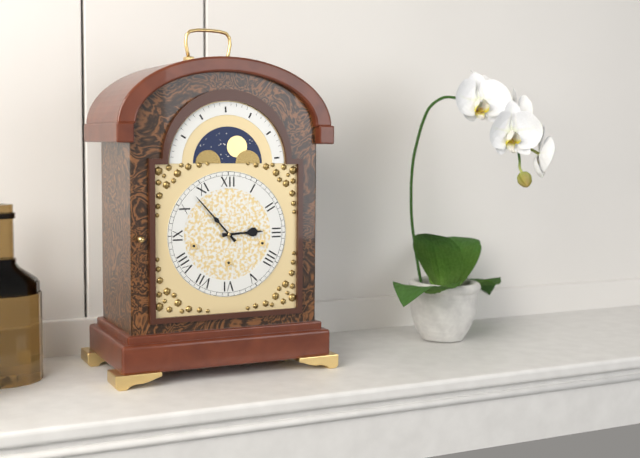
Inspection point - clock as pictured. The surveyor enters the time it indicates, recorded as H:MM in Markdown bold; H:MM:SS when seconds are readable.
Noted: **2:53**
